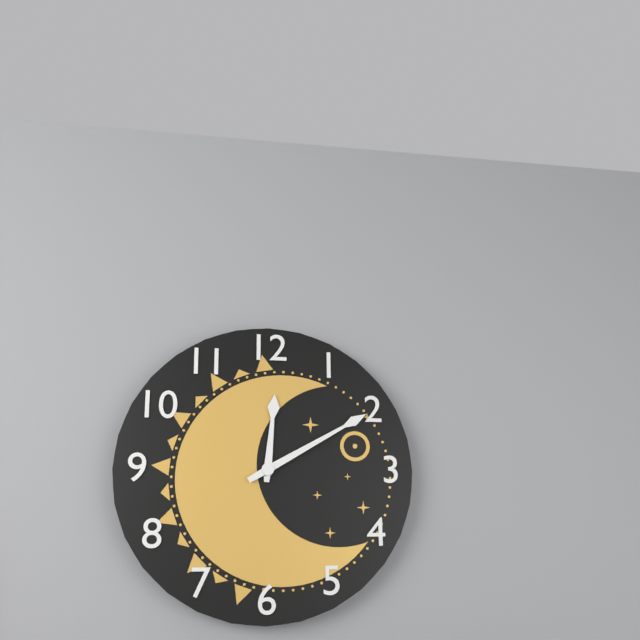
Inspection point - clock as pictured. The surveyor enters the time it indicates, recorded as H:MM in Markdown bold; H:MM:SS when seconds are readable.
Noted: **12:10**
